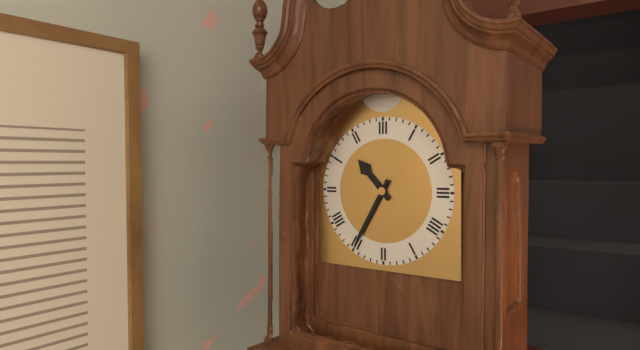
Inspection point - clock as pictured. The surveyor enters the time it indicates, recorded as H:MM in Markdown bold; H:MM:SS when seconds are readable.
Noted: **10:35**
